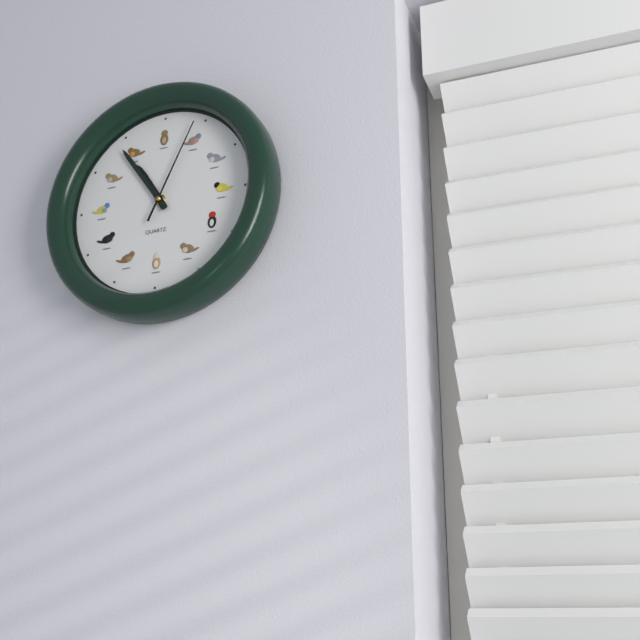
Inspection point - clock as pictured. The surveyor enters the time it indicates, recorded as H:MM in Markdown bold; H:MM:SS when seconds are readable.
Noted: **10:54:04**
